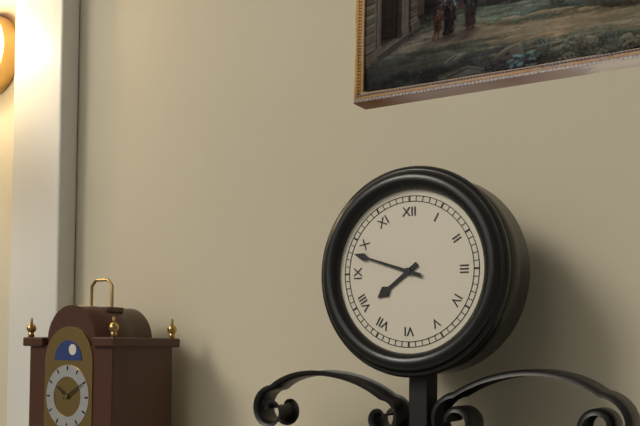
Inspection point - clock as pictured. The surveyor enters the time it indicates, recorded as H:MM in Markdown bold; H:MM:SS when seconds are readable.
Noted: **7:48**
